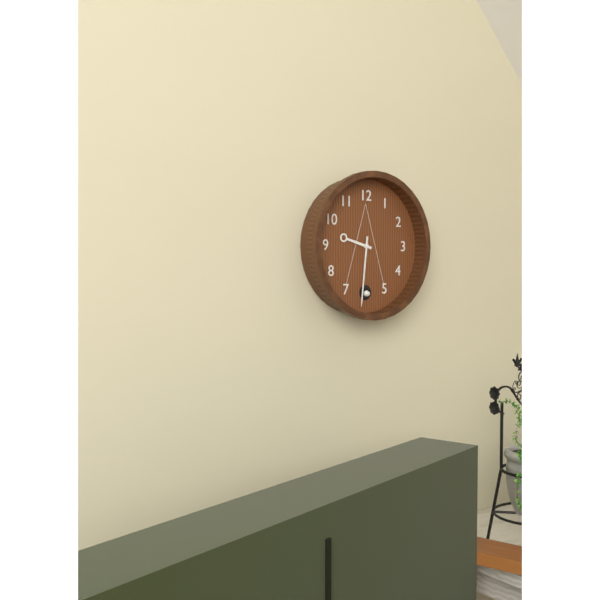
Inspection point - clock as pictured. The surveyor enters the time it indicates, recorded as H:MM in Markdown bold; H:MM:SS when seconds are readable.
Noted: **9:31**
